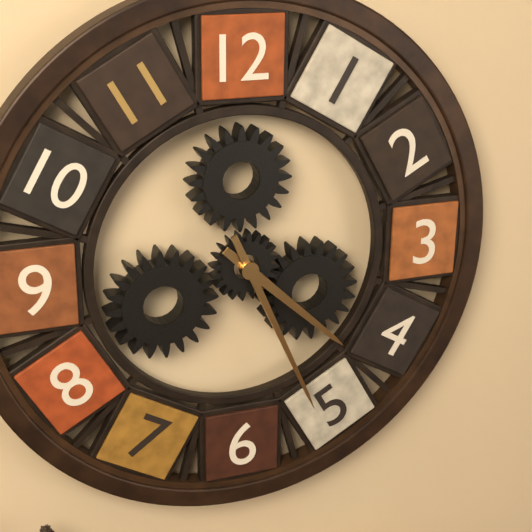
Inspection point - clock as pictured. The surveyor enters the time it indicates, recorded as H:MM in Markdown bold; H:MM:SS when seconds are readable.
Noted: **4:26**
